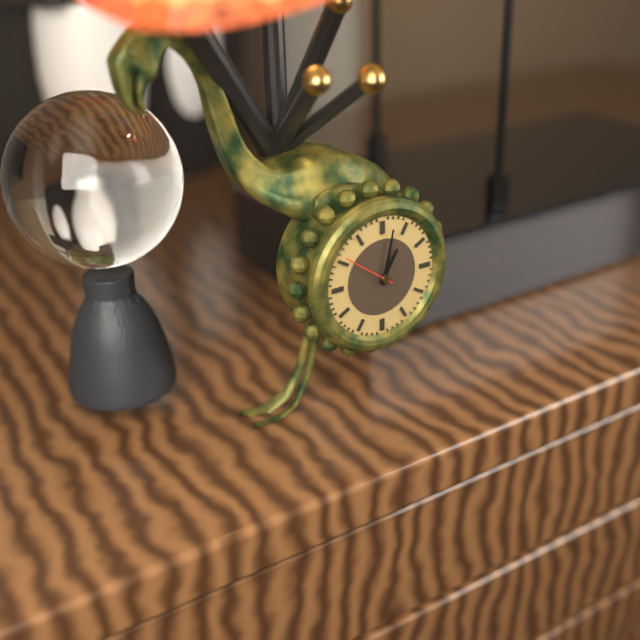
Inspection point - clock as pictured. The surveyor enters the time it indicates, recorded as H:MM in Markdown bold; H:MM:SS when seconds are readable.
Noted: **1:02:51**
